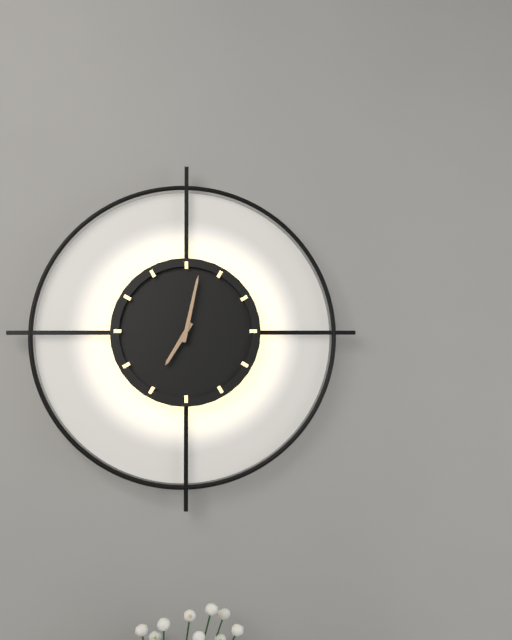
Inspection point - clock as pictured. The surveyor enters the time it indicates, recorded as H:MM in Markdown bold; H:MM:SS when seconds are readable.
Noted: **7:02**
